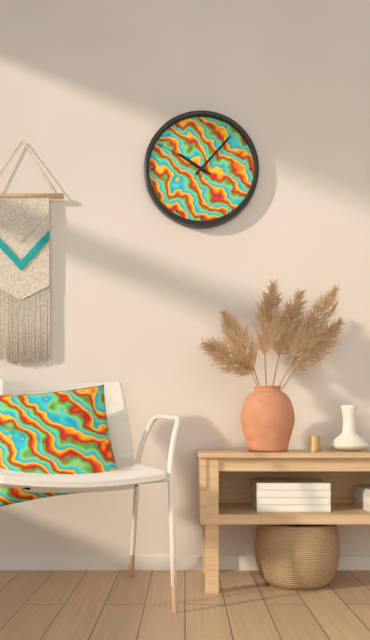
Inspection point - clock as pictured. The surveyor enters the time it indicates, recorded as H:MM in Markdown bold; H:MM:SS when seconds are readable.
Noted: **10:07:50**
